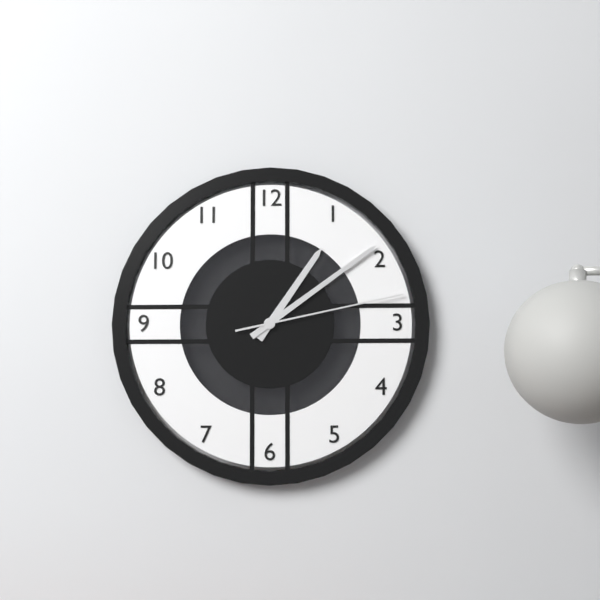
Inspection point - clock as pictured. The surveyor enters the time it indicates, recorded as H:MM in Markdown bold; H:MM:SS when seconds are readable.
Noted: **1:09:13**
